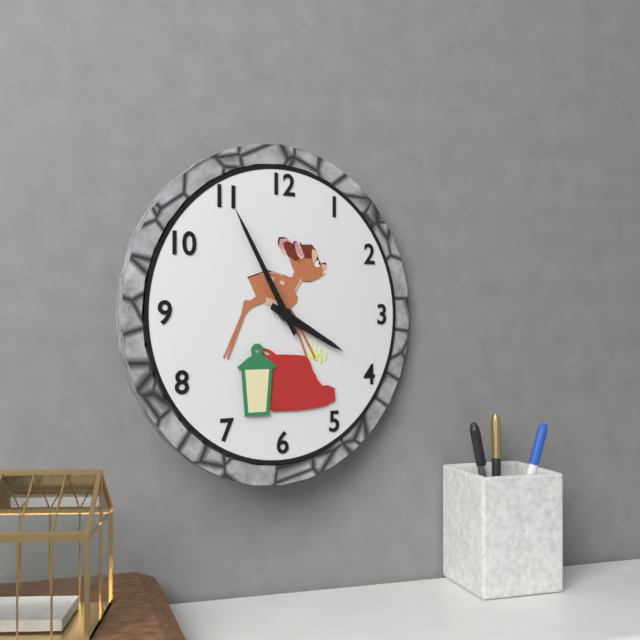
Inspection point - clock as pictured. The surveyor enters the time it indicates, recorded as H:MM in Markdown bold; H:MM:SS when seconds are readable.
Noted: **3:55**
